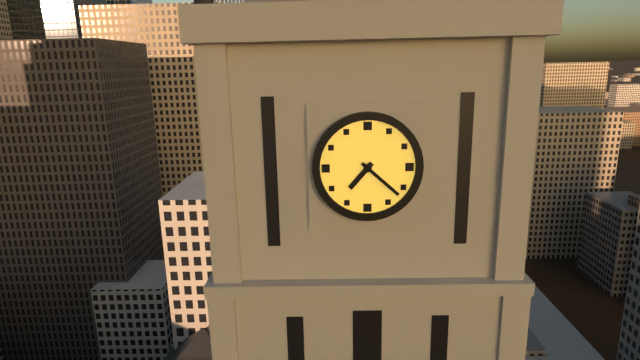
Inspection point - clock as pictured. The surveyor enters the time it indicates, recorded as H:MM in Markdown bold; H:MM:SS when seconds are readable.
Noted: **7:22**
